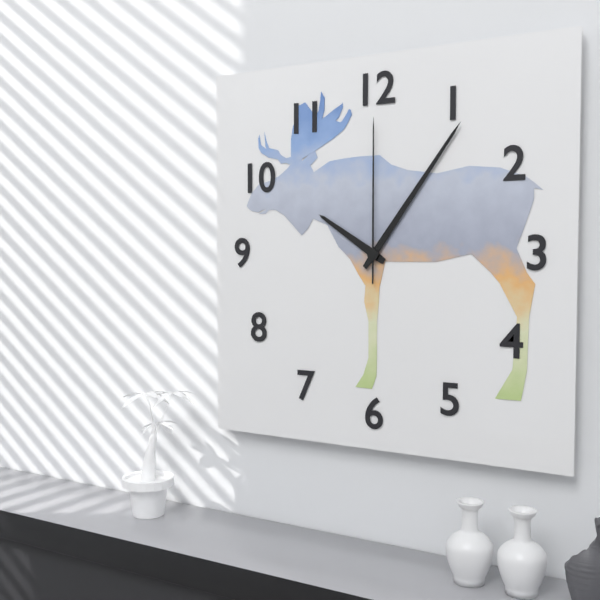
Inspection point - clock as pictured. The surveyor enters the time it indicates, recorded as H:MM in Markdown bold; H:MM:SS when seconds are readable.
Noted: **10:06:00**
